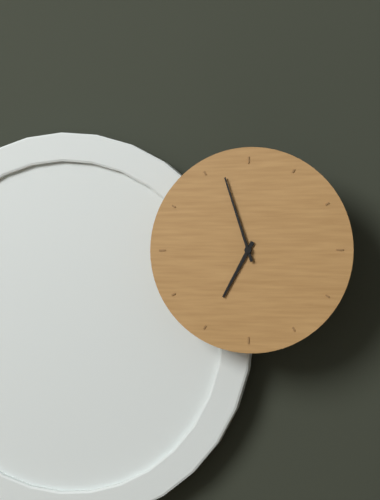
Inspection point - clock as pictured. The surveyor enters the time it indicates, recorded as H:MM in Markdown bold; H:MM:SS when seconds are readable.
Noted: **6:57**
